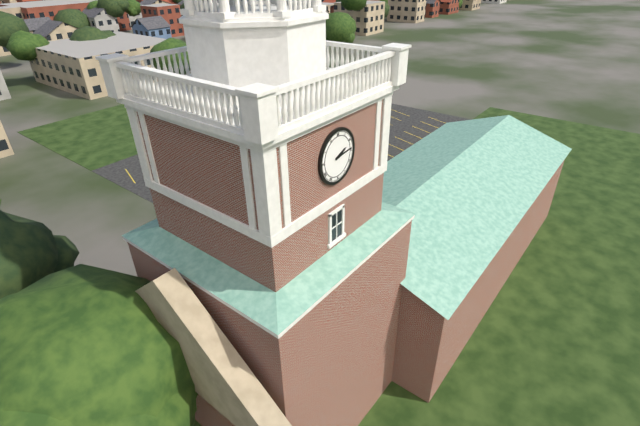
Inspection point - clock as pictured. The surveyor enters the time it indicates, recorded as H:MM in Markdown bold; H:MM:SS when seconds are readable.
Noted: **2:14**
